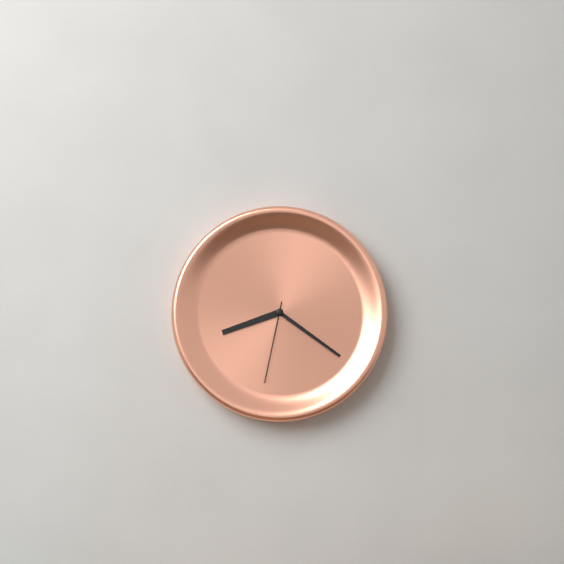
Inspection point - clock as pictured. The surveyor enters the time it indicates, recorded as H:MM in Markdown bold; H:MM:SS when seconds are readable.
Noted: **8:21:32**
